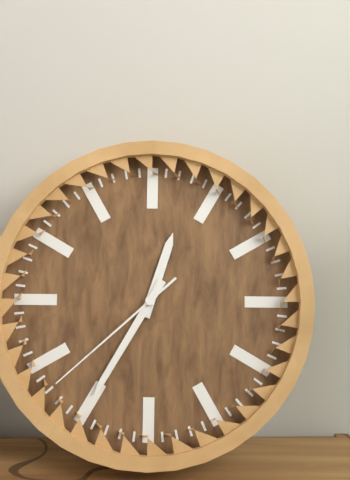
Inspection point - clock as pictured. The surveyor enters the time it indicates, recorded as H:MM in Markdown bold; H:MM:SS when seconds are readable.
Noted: **12:35:38**
